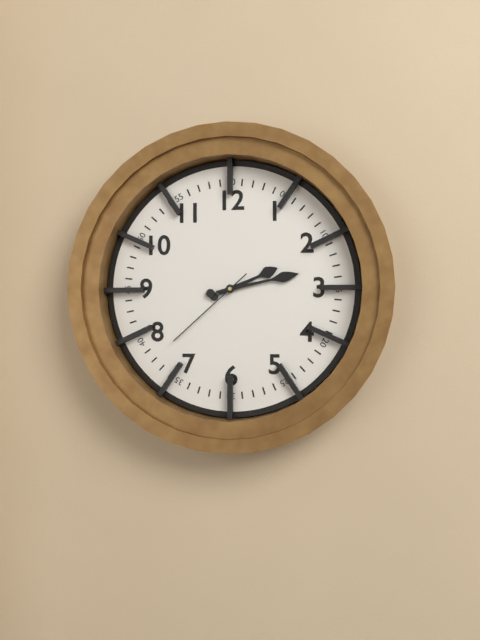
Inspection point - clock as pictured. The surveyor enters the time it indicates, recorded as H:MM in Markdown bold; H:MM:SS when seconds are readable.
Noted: **2:13:38**
